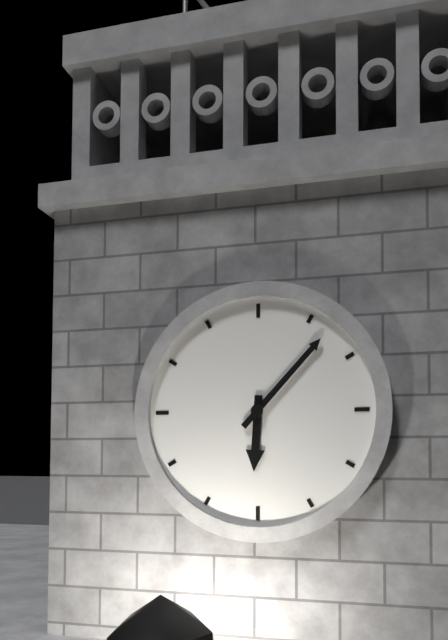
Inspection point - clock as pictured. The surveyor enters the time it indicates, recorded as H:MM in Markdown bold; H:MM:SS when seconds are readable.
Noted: **6:07**
